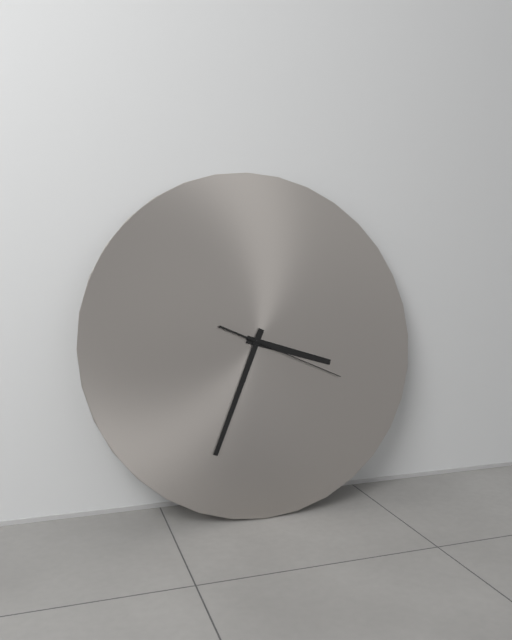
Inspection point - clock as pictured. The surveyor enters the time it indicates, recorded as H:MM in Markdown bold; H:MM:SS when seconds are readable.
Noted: **3:34:19**
